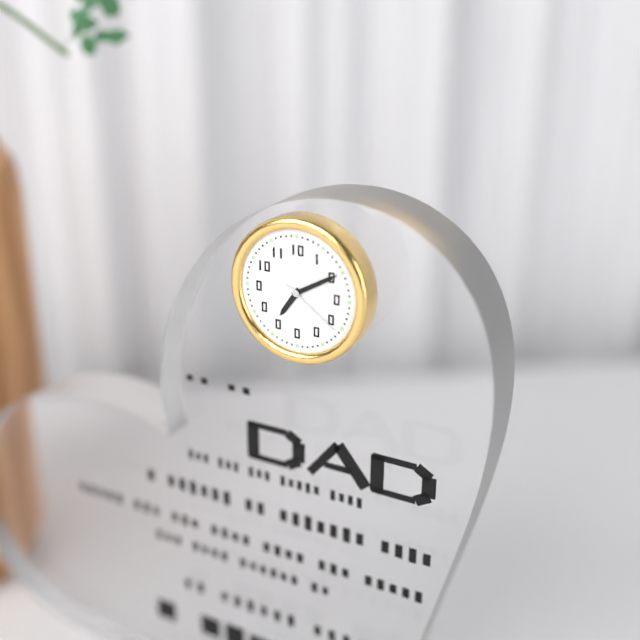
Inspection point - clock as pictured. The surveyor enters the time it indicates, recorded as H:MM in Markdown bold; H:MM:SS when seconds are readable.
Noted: **7:10:21**
